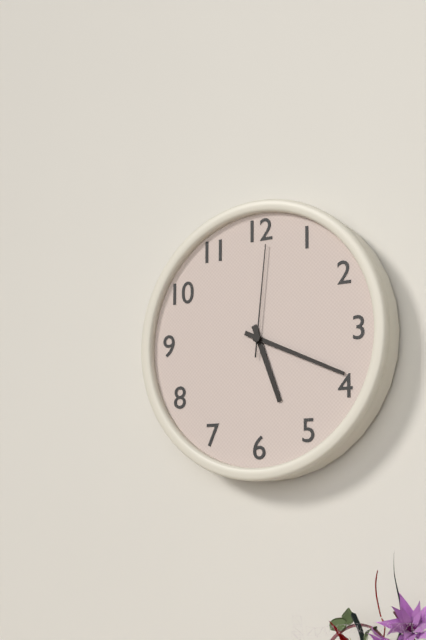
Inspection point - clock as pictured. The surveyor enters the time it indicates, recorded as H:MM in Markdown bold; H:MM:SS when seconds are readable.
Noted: **5:19:01**
